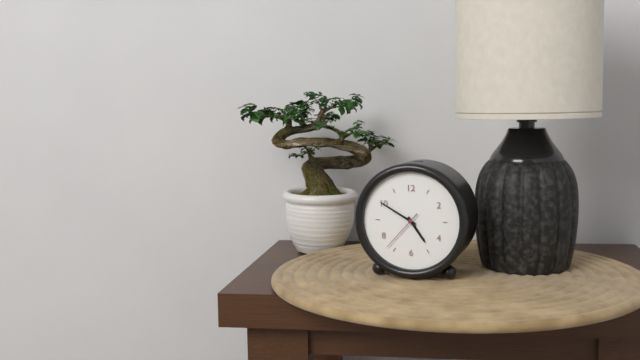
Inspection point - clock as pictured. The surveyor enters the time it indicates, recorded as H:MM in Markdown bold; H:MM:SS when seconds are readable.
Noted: **4:50**
